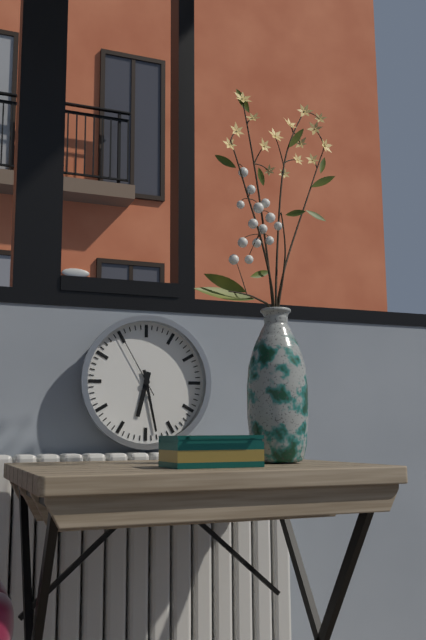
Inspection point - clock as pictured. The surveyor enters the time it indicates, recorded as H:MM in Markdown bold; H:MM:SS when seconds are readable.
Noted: **6:28:55**
